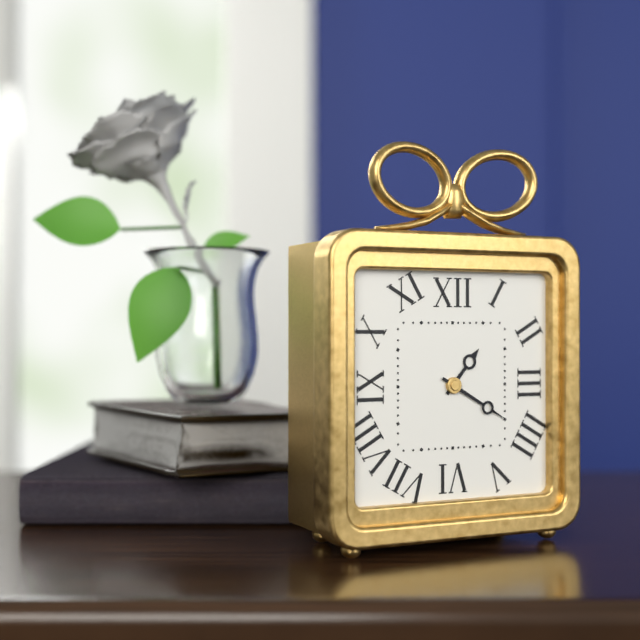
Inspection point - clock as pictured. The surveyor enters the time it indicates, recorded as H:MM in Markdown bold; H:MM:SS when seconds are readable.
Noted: **1:20**
